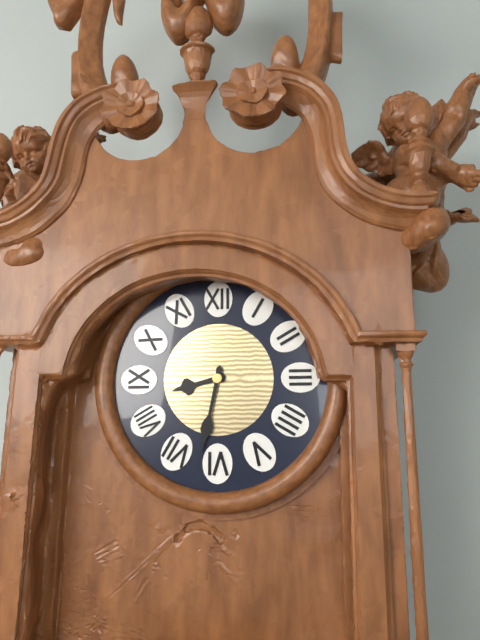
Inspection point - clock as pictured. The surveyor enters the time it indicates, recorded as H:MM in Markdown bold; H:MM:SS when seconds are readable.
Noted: **8:32**
